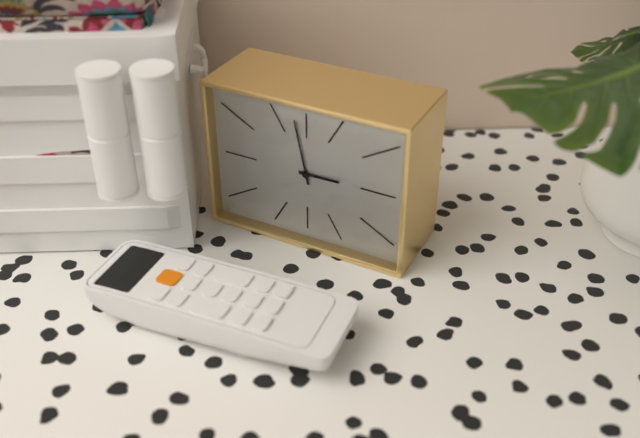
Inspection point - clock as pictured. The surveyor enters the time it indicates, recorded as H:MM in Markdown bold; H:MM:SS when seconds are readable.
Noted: **2:58**
